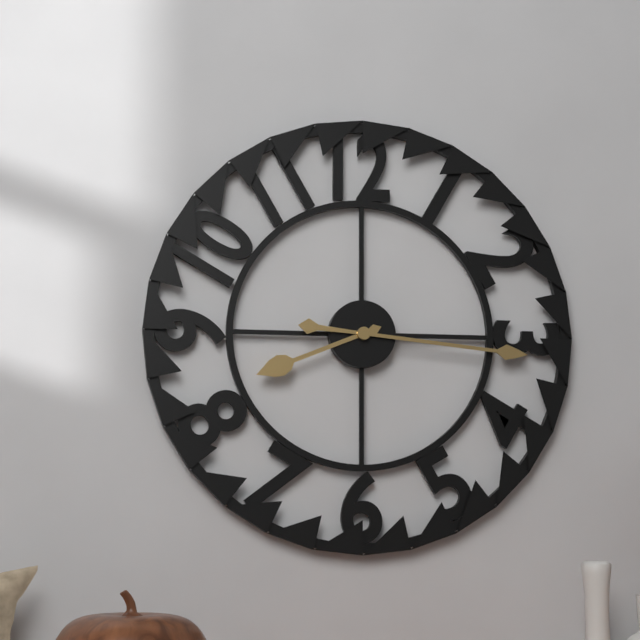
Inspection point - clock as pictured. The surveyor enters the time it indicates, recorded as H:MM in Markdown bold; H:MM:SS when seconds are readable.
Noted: **8:16**
